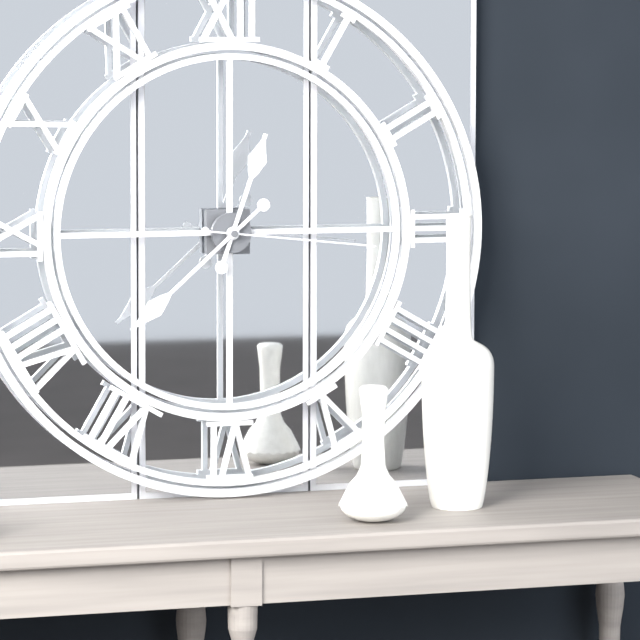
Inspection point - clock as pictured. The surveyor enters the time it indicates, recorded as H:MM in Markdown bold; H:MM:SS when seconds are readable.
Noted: **12:38:16**
